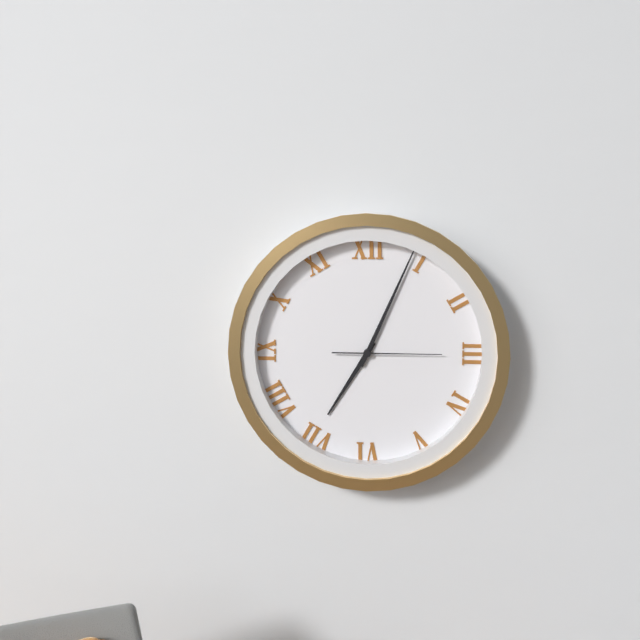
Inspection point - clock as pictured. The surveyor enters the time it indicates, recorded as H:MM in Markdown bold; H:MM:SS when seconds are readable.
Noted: **7:04:15**
